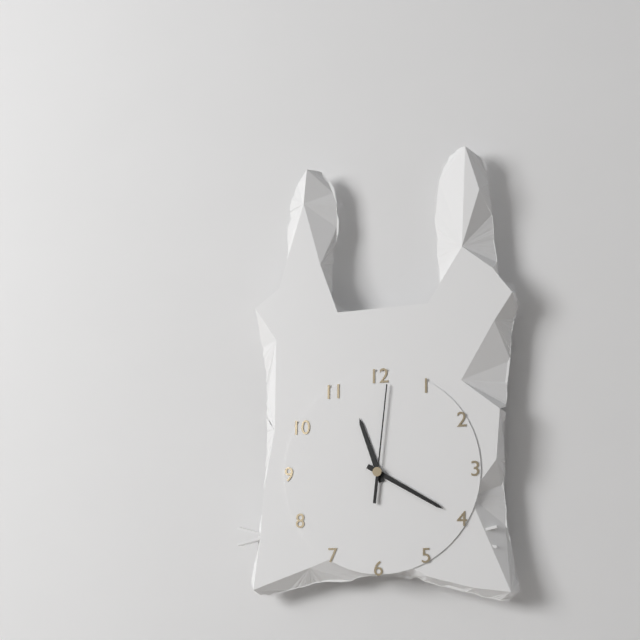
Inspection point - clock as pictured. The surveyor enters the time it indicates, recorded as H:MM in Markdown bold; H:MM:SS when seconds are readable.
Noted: **11:20:01**
